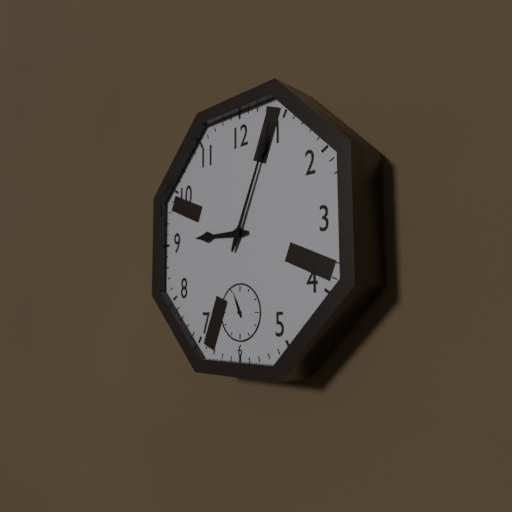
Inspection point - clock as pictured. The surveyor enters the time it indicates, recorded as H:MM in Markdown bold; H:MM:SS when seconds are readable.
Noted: **9:04**
